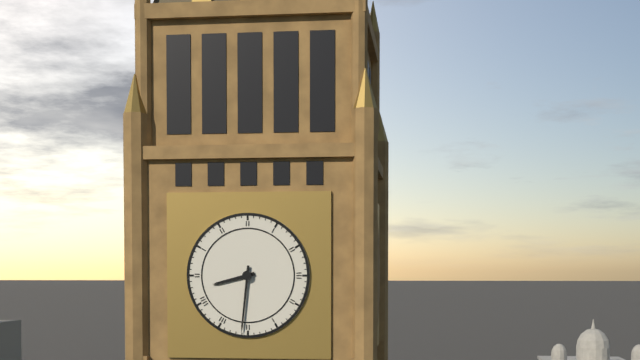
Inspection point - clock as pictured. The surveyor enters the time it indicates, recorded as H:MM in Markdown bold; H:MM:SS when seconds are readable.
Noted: **8:31**
